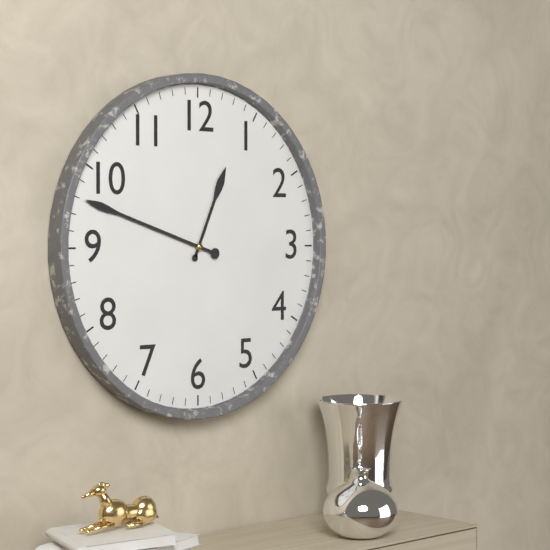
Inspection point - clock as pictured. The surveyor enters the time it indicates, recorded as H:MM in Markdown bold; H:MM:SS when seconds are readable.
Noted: **12:48**
